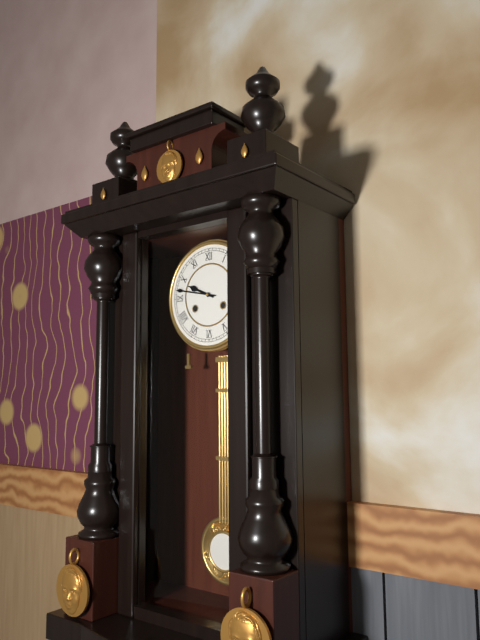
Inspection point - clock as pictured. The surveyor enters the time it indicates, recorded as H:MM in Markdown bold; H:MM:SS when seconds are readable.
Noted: **9:47**
